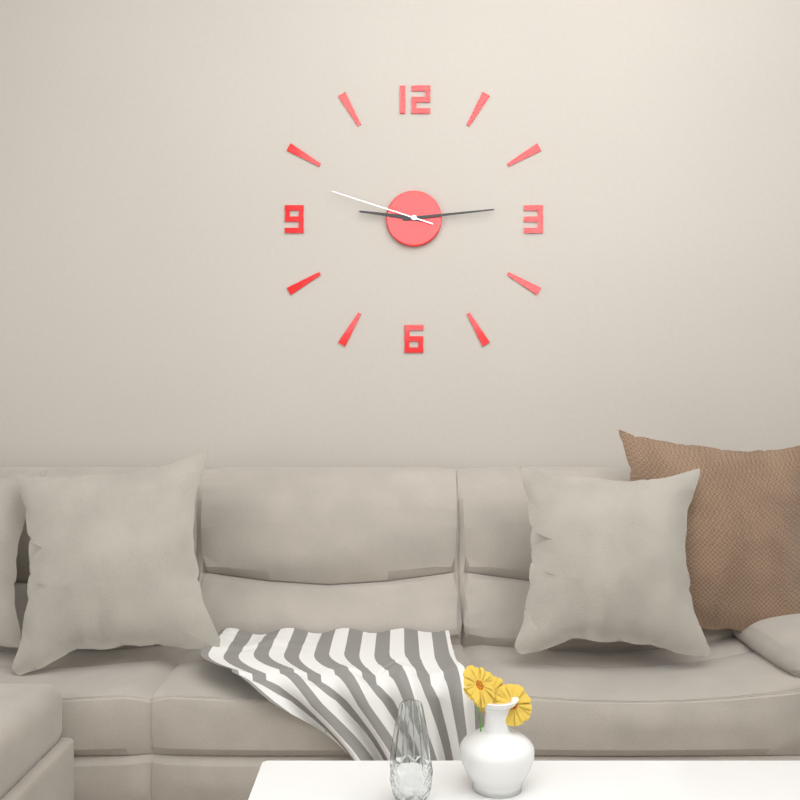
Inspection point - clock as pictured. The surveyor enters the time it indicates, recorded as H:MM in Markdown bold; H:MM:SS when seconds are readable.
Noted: **9:14:48**
